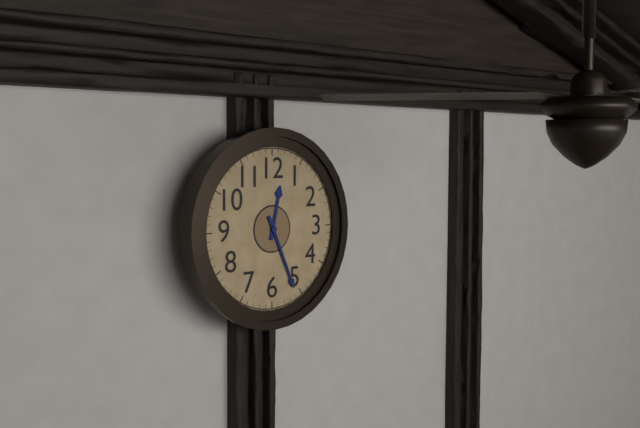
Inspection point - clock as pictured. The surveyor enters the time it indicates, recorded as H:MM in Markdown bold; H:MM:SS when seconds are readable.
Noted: **12:26**
